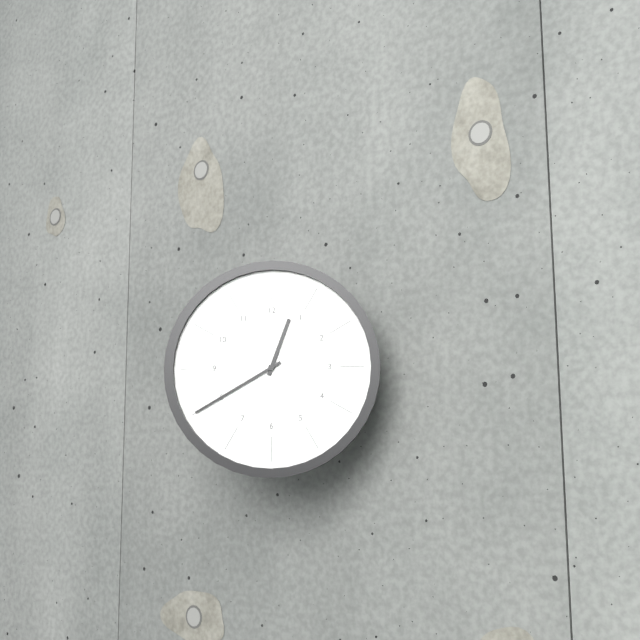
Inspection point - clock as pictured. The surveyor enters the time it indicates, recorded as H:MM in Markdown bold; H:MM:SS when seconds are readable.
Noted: **12:40**
